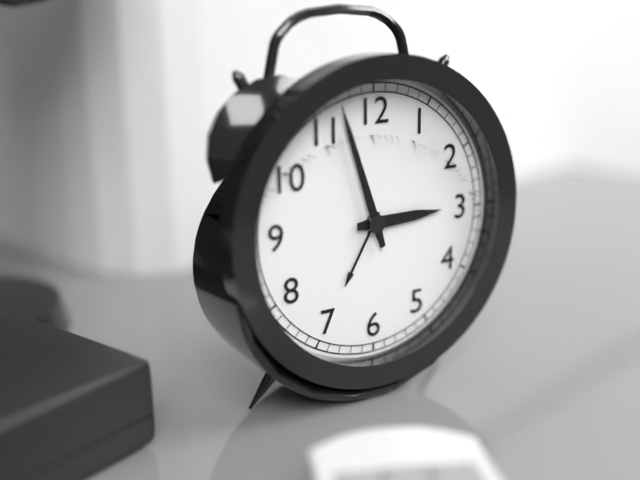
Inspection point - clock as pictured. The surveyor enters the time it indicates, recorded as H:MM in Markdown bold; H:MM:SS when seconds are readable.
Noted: **2:57**
